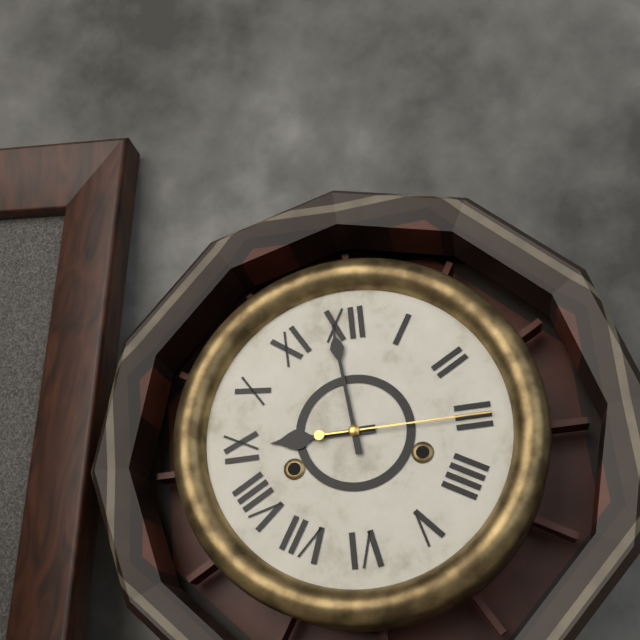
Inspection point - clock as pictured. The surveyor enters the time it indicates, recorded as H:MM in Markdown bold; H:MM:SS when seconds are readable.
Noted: **8:59:15**
